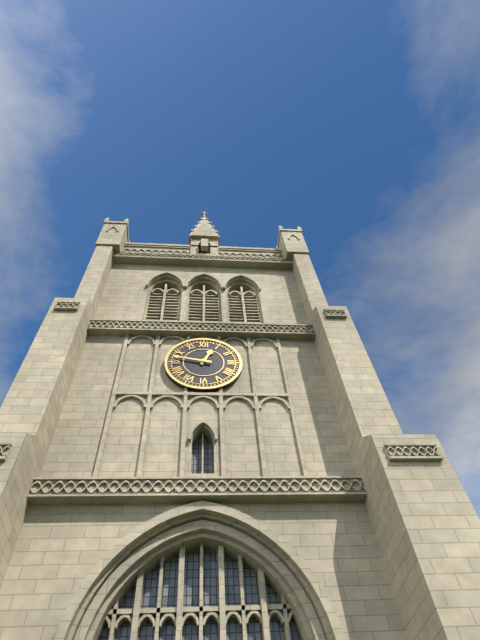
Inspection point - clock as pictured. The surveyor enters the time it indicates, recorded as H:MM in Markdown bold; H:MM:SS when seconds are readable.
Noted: **12:47**
